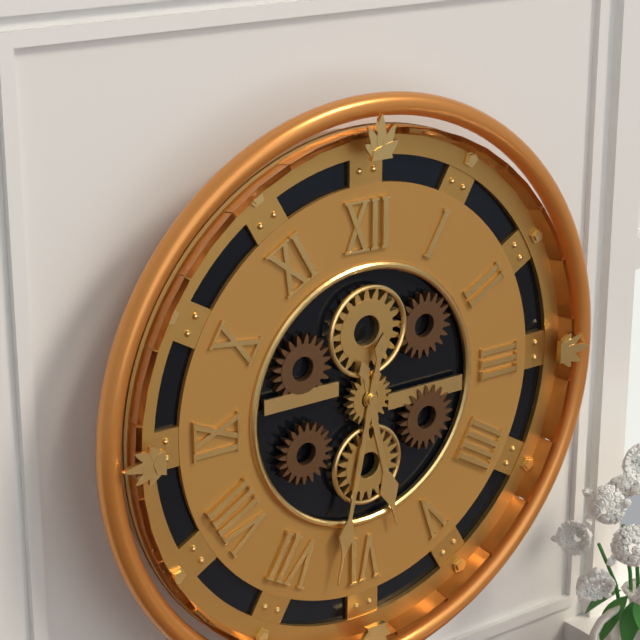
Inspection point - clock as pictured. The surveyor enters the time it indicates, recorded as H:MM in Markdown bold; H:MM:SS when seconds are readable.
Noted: **5:32**
